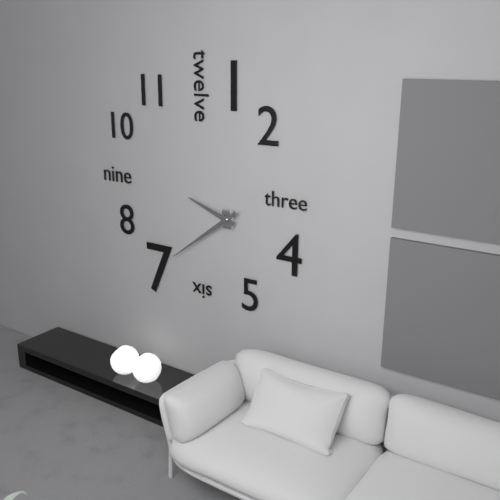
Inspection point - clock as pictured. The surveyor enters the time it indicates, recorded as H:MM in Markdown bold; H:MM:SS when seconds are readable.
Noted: **9:39**
